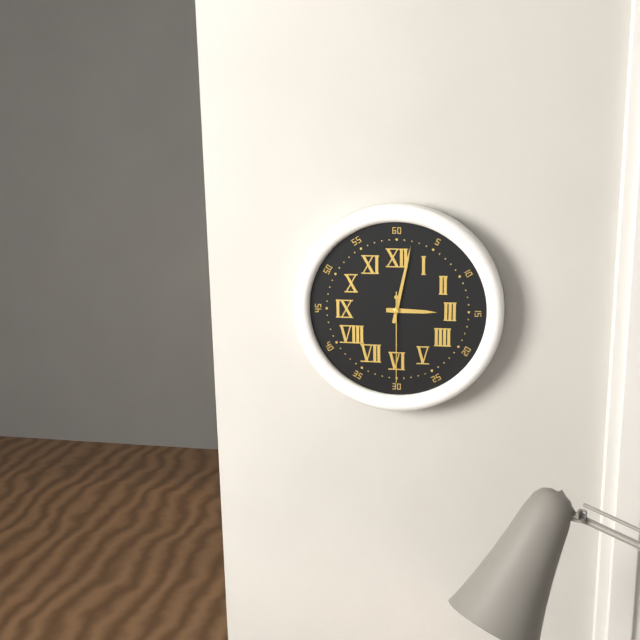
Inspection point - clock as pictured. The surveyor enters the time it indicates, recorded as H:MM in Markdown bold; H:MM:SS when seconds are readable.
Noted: **3:02:30**
